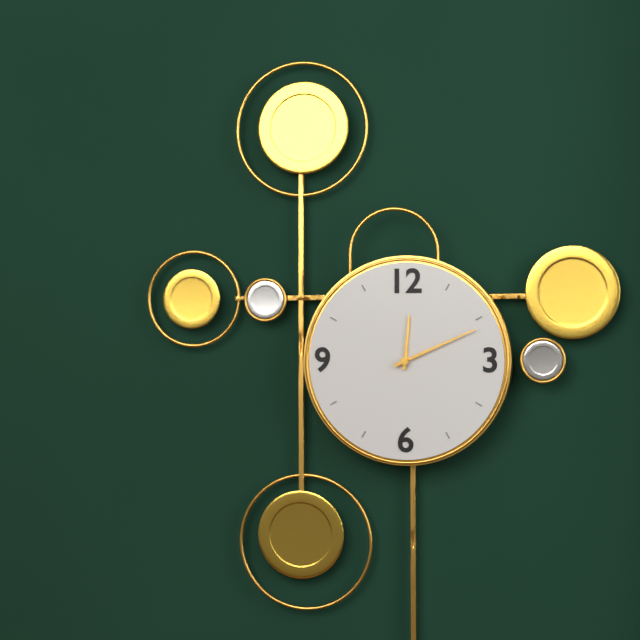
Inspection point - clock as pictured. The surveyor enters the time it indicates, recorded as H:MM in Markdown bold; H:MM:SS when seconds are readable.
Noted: **12:11**
